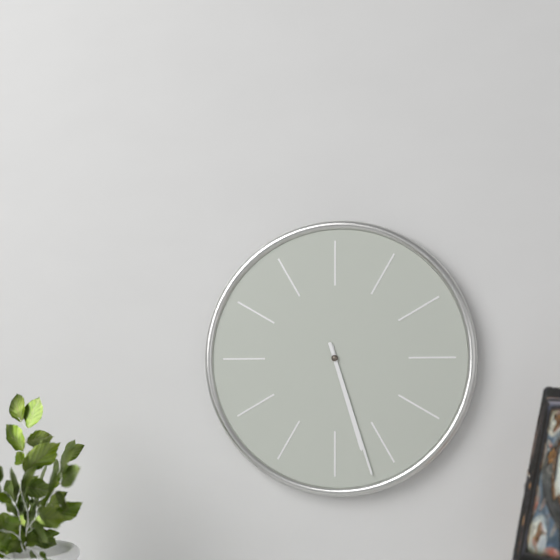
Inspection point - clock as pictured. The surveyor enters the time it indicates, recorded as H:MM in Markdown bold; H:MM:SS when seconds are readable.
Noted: **5:27**
